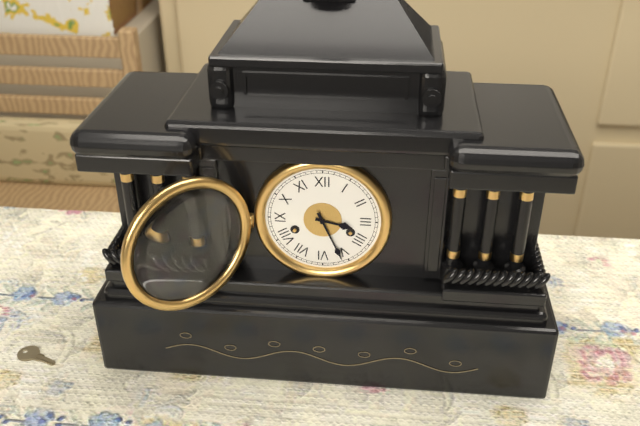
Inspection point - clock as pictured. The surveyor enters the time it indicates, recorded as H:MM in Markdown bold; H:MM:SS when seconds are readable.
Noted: **3:26**
